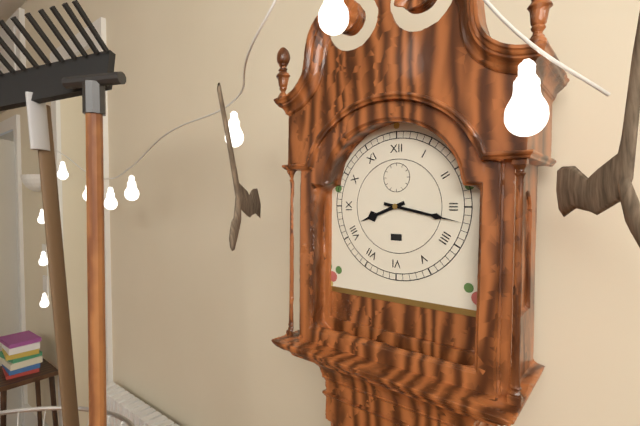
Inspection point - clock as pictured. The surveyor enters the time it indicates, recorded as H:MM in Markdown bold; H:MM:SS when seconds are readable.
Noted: **8:17**
